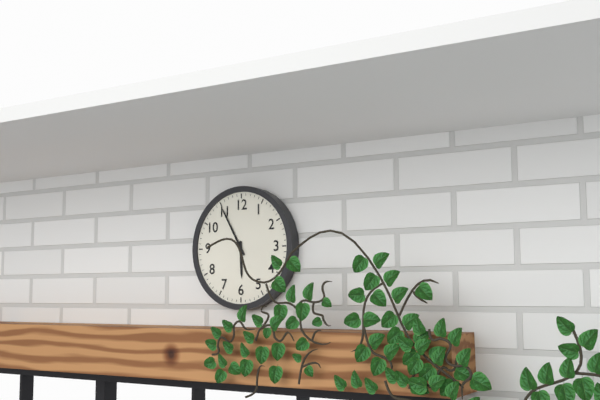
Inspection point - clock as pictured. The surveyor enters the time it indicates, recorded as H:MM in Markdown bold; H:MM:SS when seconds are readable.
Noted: **5:55**
